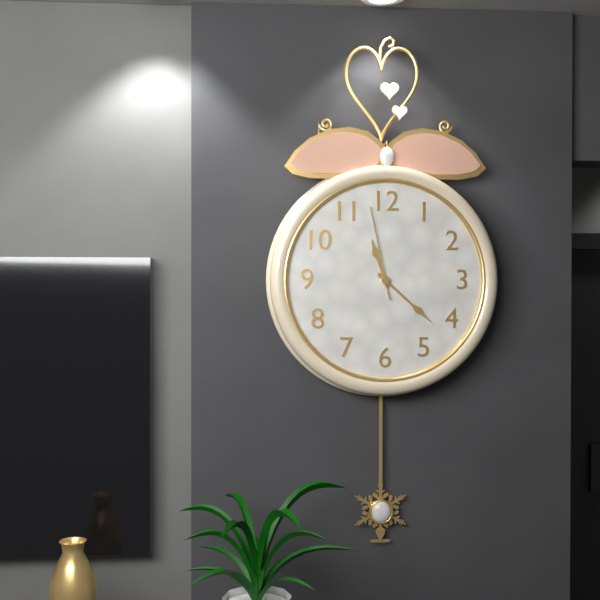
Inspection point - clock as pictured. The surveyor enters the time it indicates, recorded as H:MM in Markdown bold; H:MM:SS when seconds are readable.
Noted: **11:22:58**
